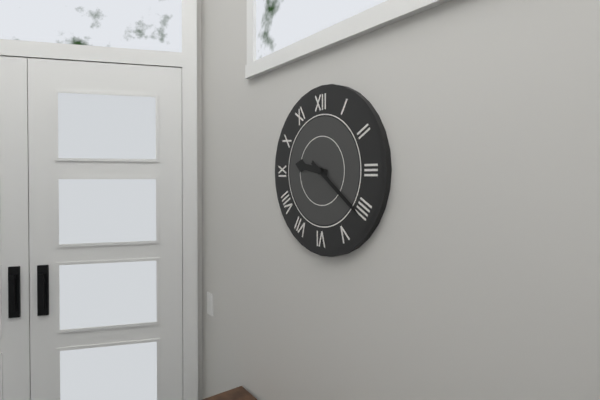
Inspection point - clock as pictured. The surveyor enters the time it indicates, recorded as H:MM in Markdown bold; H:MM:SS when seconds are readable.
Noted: **9:21**
